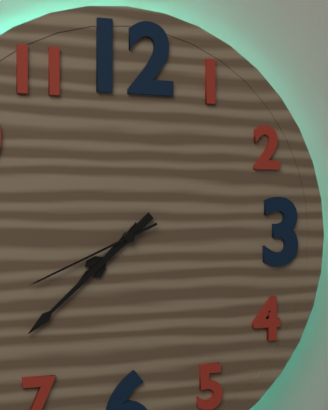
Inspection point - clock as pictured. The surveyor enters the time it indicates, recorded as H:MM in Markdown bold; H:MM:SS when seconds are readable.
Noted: **7:38:41**
